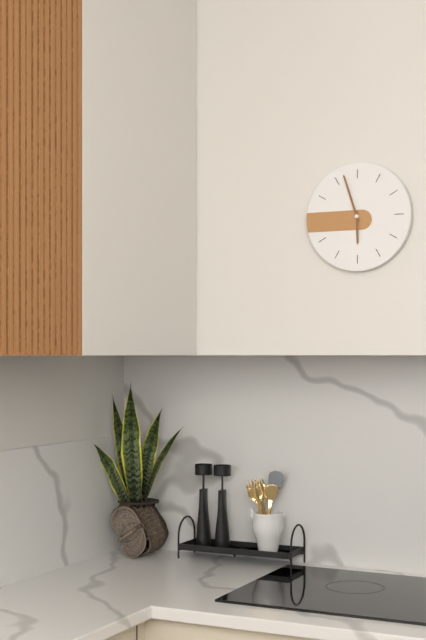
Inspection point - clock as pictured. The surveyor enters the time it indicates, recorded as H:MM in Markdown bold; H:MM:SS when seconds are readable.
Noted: **5:57**
